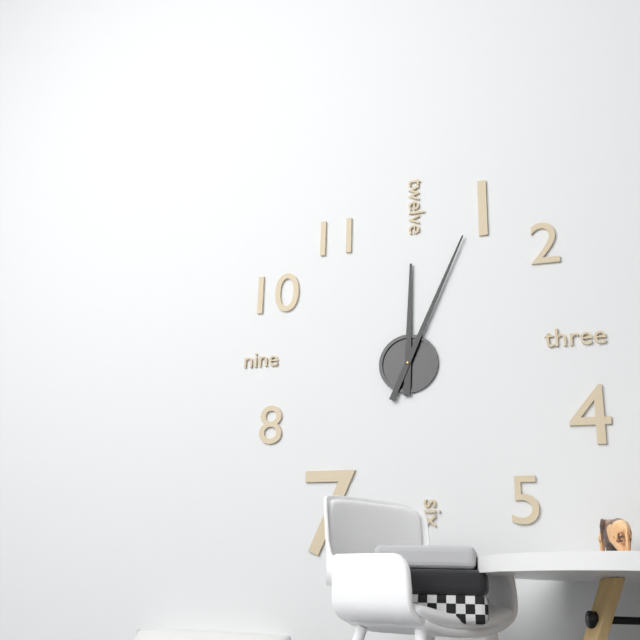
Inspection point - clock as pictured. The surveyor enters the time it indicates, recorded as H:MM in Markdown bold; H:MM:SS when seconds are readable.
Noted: **12:04**
